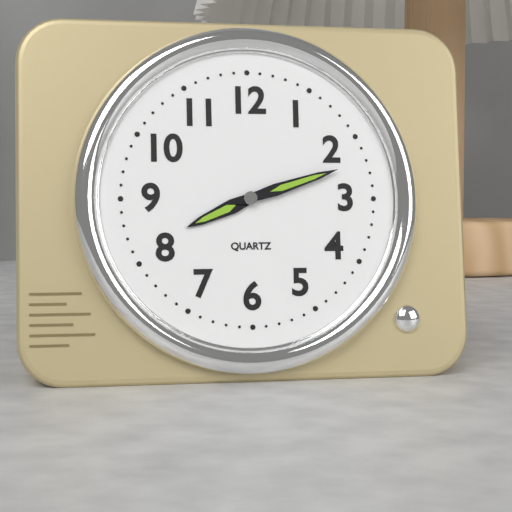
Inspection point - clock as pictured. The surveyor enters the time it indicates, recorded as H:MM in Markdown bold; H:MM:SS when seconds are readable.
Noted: **8:12**
